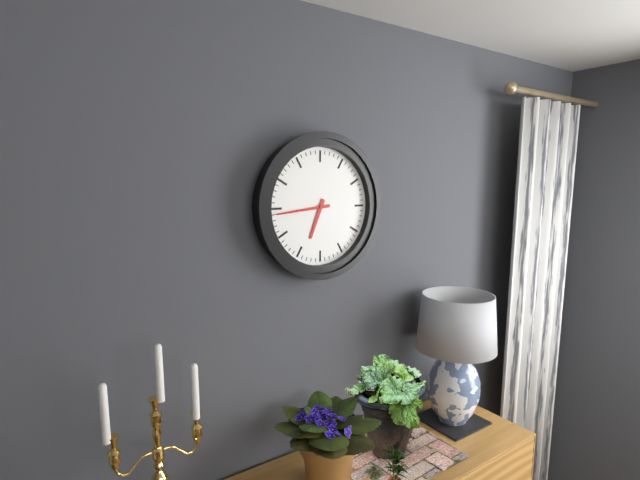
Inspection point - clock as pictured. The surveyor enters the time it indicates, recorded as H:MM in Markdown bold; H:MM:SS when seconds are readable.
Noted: **6:44**
